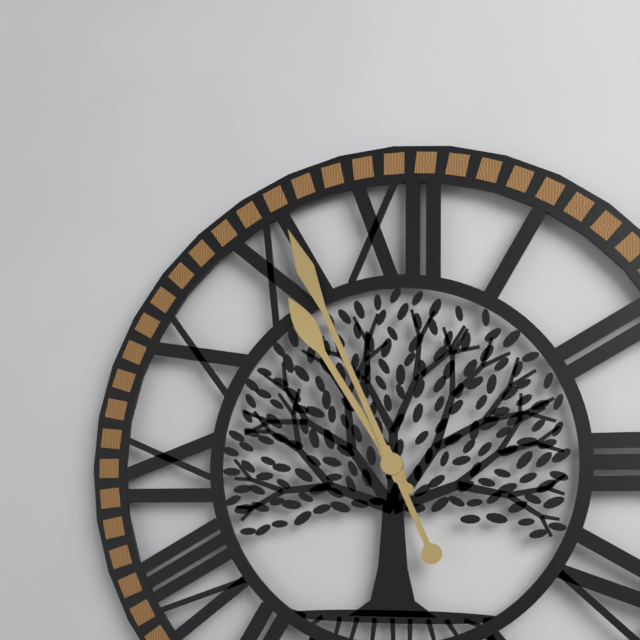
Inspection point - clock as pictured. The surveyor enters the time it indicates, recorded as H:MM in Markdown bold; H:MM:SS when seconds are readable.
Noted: **10:56**
